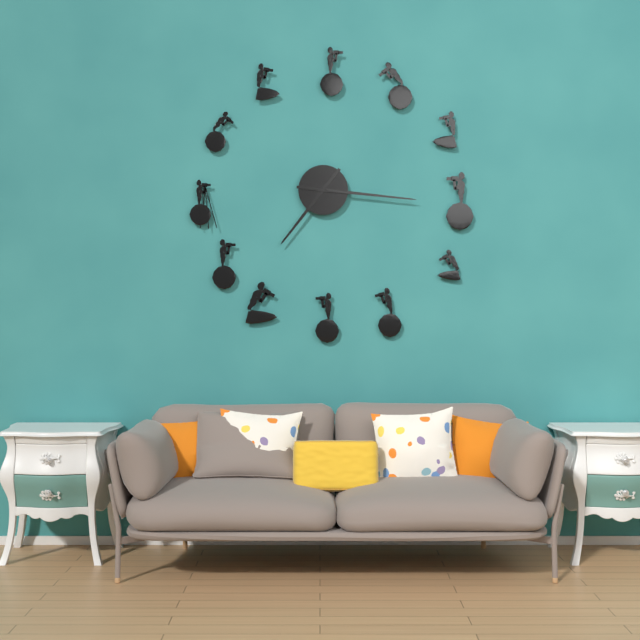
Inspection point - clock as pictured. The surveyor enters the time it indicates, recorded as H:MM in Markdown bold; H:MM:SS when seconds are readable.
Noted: **7:16**
